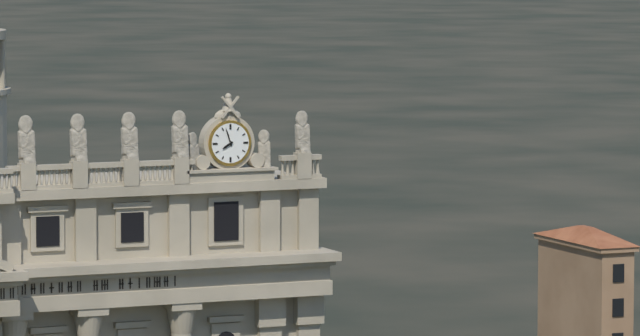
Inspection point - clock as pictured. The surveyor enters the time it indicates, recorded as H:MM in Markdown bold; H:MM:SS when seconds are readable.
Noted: **7:57**
